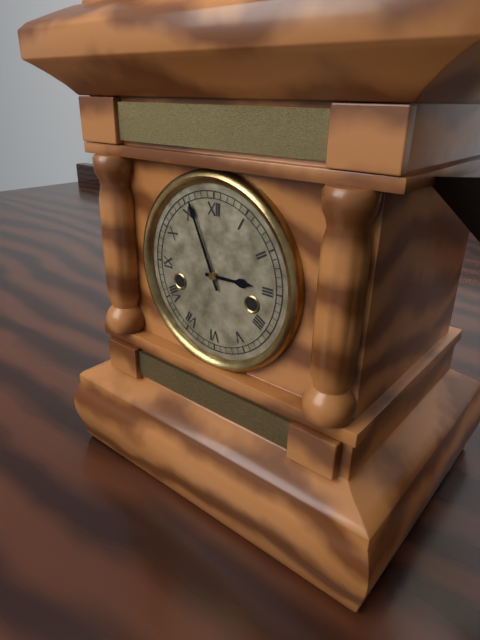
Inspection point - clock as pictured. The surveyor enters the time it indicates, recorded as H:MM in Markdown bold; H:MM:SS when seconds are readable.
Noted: **2:56**
